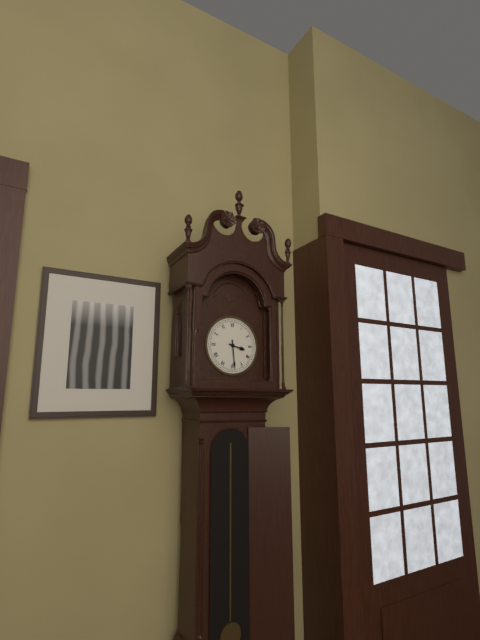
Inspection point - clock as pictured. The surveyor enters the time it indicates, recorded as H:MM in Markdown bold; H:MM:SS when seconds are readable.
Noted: **3:29**
